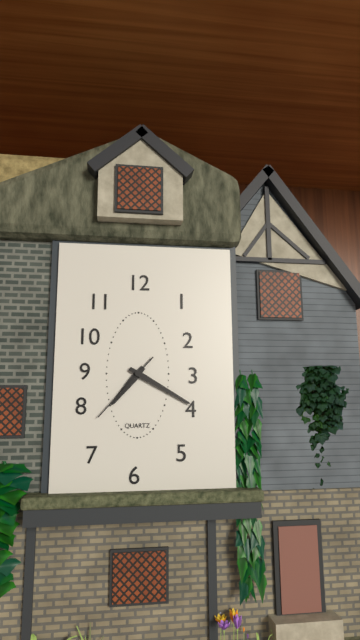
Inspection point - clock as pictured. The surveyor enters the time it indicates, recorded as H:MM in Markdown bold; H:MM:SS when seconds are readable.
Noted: **7:20:37**
